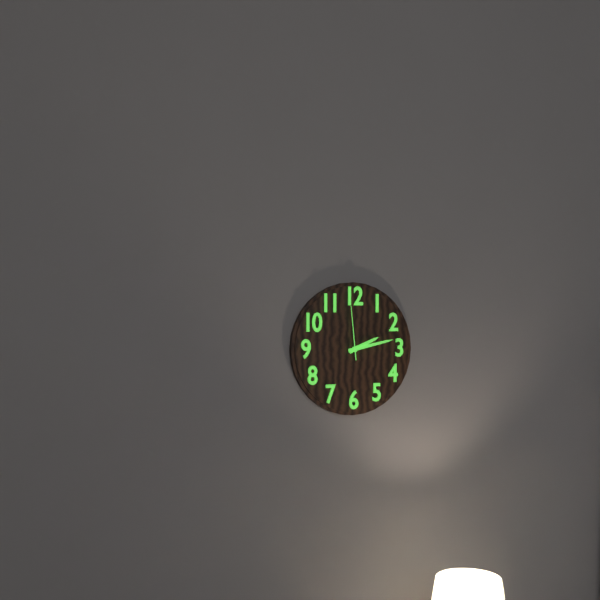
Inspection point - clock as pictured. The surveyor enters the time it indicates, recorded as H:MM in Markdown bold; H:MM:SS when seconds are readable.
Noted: **2:13:59**
